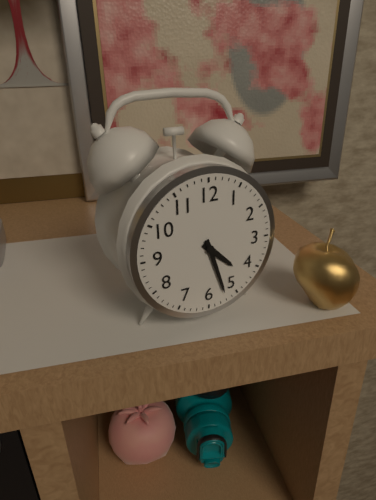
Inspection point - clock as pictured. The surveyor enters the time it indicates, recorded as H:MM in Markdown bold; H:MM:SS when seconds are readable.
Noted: **4:27**
